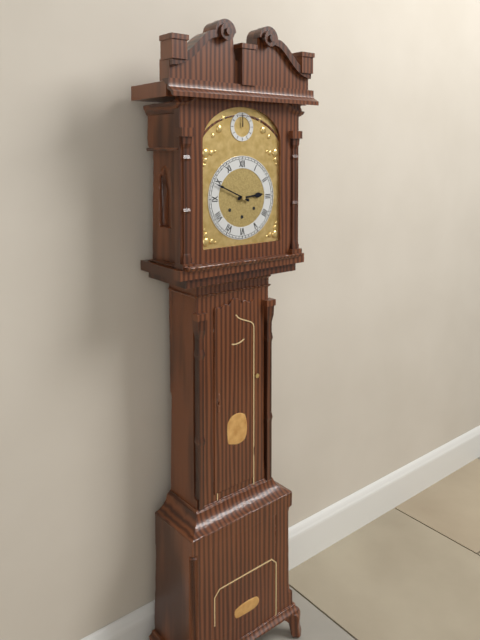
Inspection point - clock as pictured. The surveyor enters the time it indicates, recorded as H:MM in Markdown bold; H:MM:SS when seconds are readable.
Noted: **2:49**
